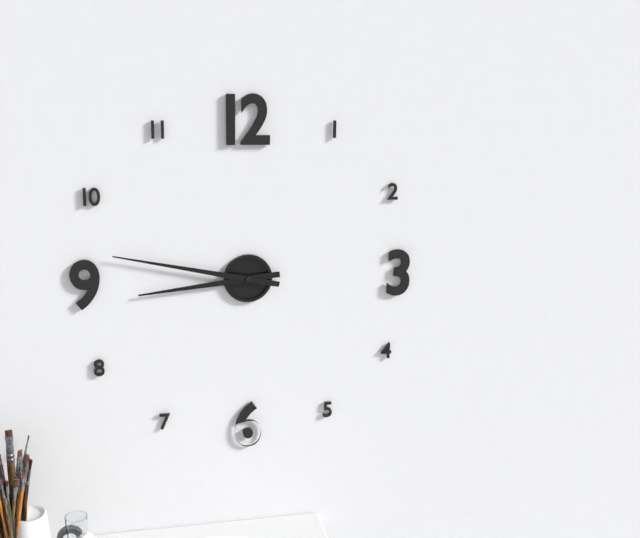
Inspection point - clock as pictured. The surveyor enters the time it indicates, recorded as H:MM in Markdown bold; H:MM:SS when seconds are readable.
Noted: **8:47**
